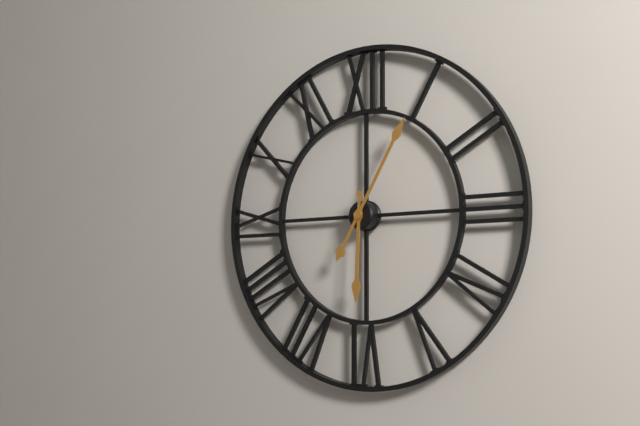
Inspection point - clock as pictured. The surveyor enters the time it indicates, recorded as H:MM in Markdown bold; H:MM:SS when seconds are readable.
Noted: **6:05**
